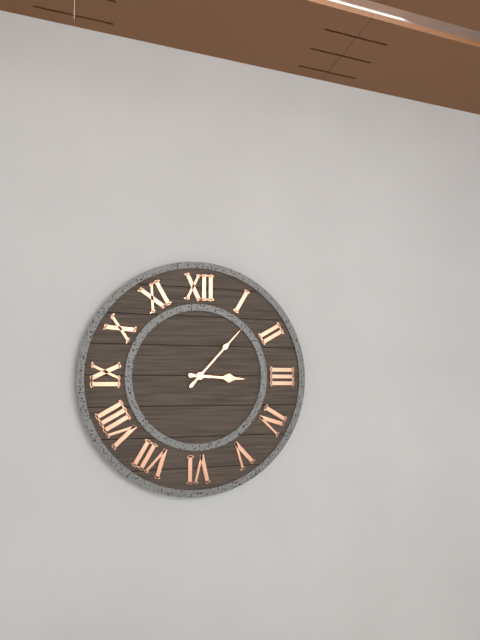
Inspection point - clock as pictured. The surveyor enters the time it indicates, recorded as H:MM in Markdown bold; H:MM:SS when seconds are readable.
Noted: **3:07**
